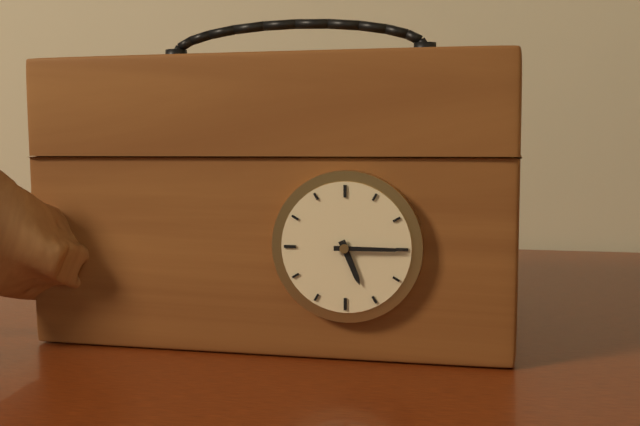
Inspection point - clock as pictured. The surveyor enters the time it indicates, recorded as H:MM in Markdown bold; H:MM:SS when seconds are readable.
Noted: **5:15**
